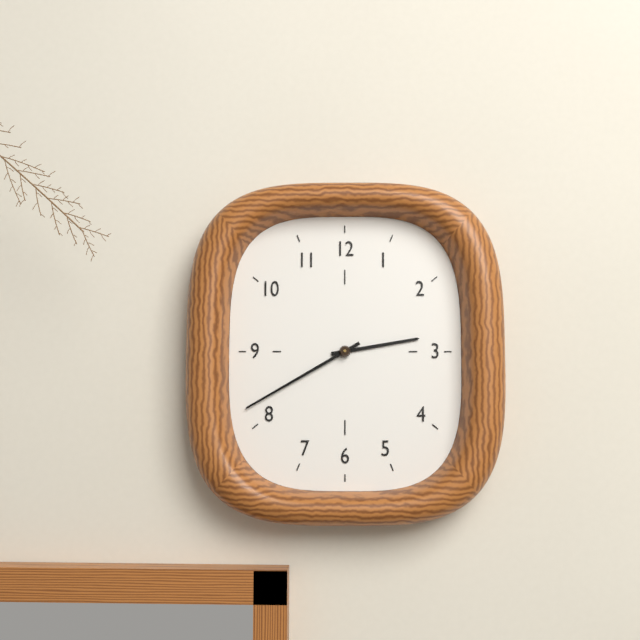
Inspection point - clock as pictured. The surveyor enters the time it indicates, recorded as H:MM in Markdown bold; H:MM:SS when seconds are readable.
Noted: **2:40**
